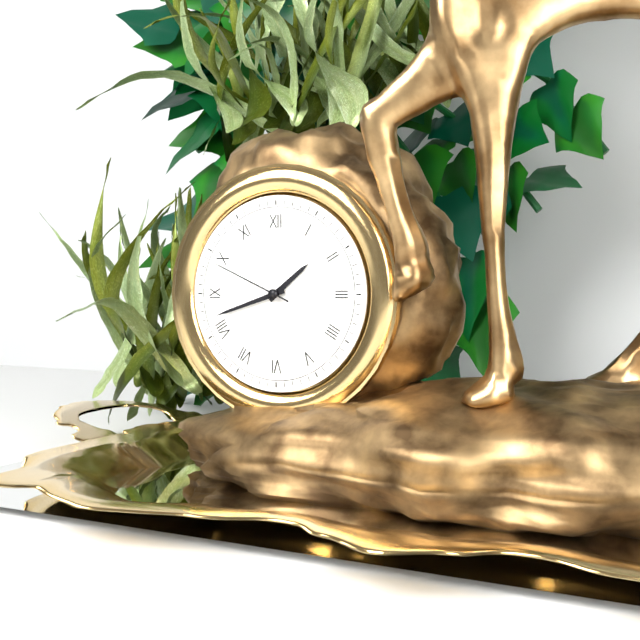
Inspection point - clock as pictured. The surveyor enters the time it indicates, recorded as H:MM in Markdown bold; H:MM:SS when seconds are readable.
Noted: **1:42:49**
